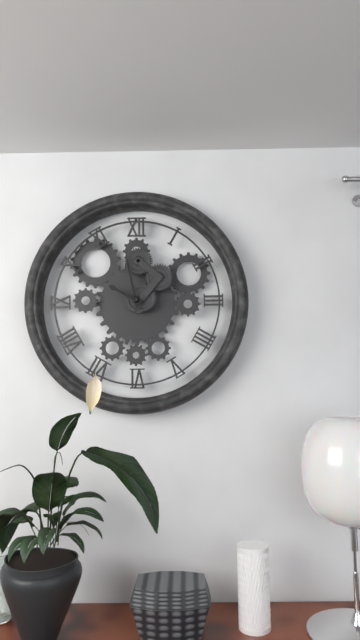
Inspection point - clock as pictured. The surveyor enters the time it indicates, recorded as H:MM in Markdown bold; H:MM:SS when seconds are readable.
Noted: **9:58**
